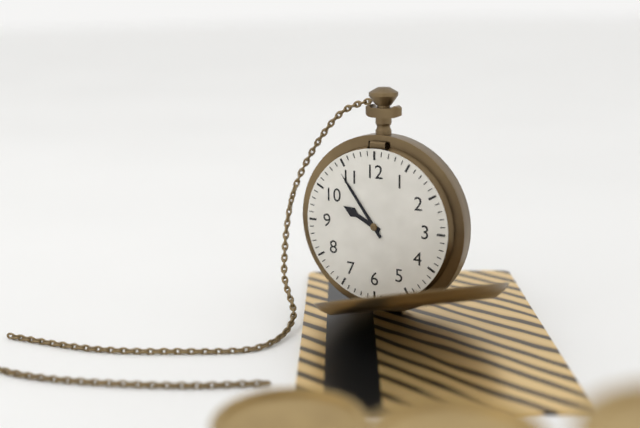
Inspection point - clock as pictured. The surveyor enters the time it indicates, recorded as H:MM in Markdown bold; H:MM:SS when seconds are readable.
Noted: **9:54**
